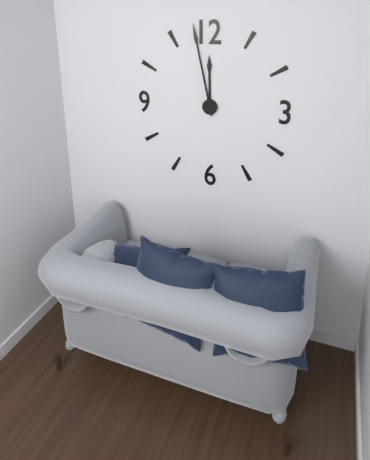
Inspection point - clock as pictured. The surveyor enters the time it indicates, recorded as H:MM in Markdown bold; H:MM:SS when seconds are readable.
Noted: **11:58**
